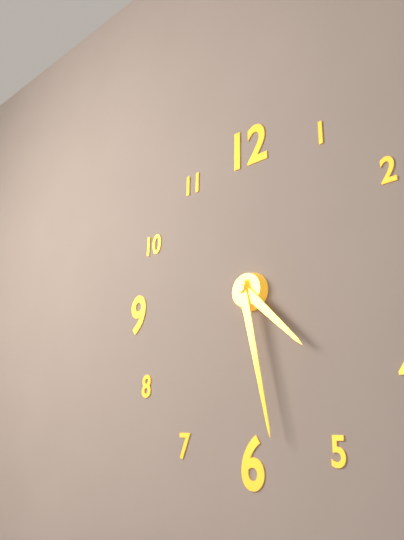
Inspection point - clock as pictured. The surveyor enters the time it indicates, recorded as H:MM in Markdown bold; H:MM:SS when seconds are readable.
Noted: **4:28**
